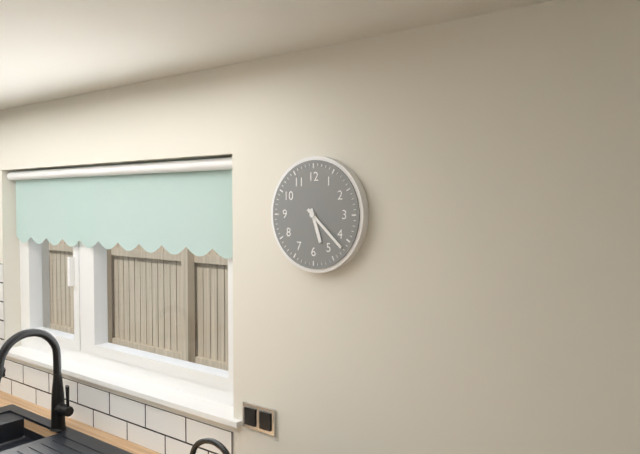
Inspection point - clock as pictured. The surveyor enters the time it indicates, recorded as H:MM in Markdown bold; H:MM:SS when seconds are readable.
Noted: **5:22**
